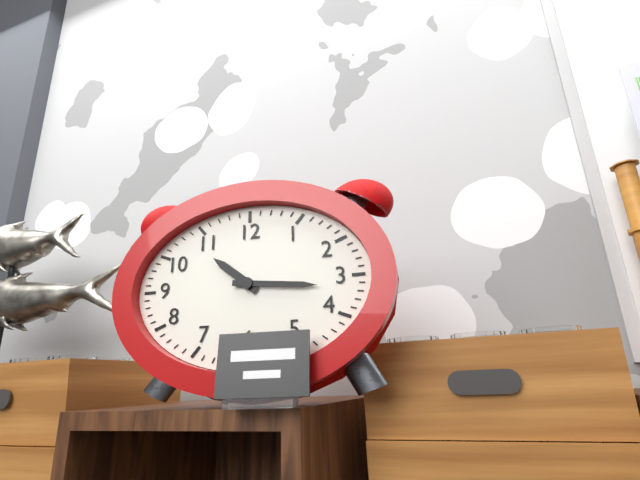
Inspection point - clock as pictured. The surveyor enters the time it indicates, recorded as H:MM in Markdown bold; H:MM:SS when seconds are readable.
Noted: **10:16**
